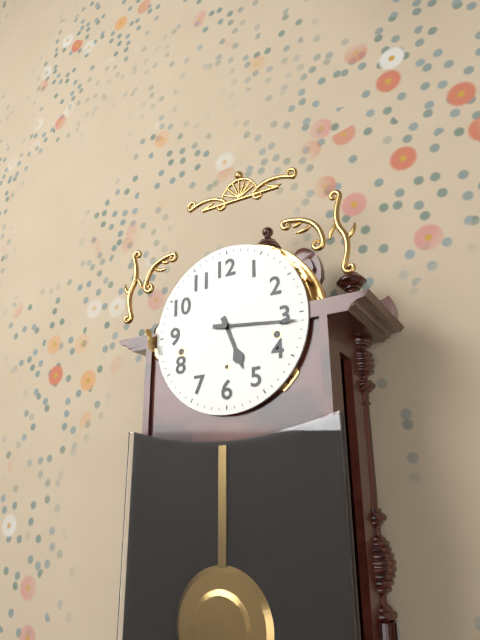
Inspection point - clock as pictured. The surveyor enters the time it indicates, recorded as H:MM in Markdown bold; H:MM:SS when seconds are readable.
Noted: **5:16**
